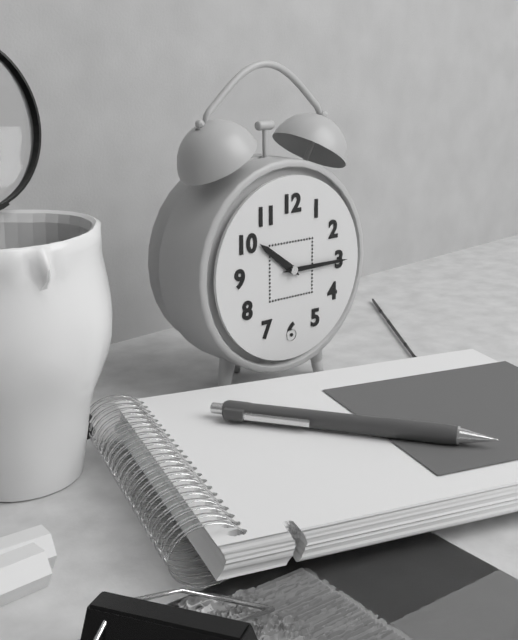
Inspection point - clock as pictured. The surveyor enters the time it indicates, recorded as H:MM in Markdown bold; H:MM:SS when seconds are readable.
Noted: **10:15**
